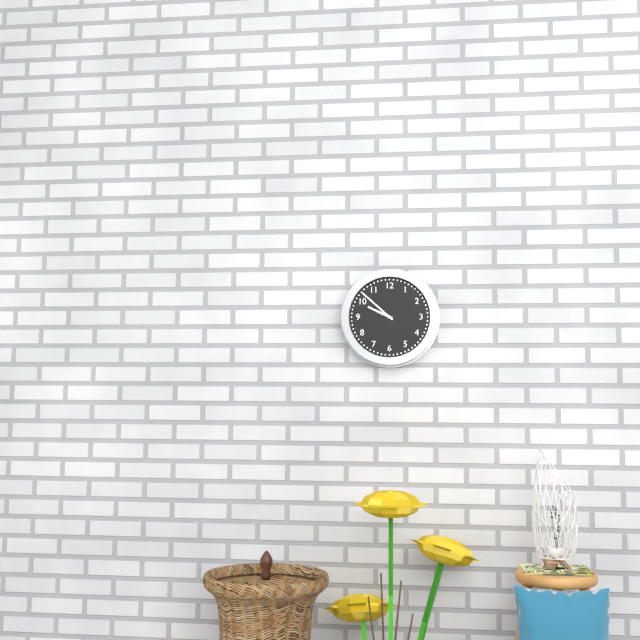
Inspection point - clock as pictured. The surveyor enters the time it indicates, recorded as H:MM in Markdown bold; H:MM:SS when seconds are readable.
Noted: **9:52**
